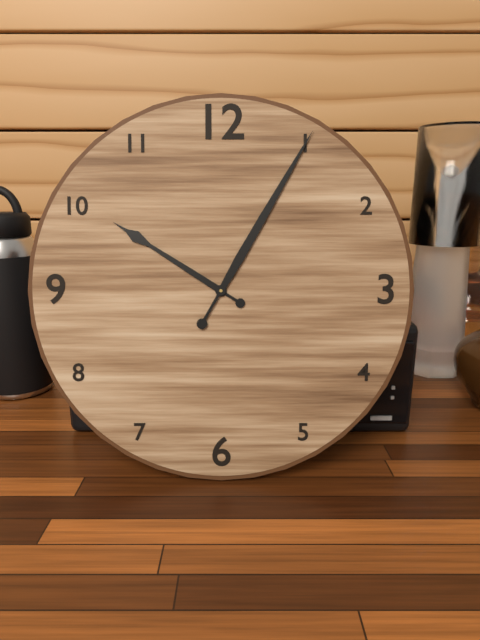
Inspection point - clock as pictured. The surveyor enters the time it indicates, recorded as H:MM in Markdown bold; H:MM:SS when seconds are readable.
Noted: **10:05**
